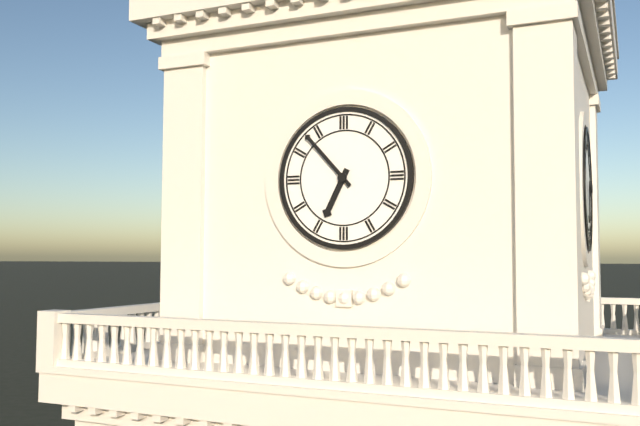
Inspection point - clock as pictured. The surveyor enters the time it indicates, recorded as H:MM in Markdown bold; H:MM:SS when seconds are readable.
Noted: **6:53**
